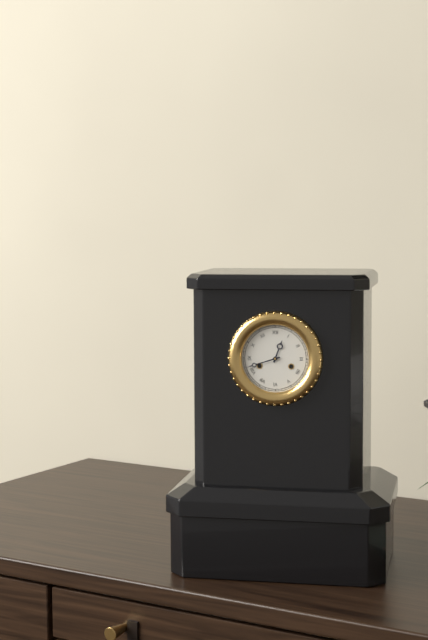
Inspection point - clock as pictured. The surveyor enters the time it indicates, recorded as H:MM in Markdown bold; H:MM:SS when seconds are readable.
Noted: **12:42**
